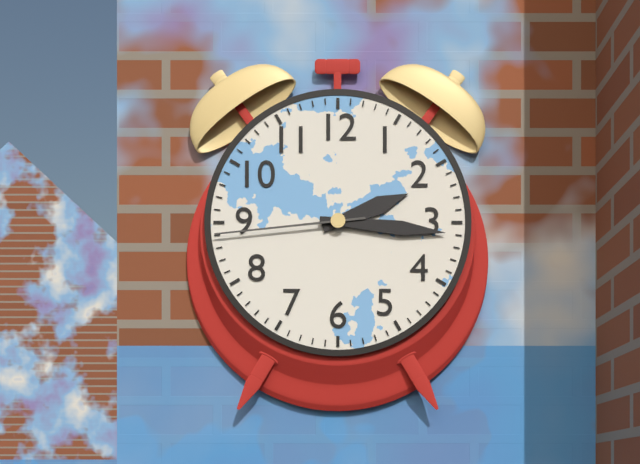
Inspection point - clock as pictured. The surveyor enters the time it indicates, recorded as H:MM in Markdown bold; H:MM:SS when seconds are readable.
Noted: **2:16:44**
